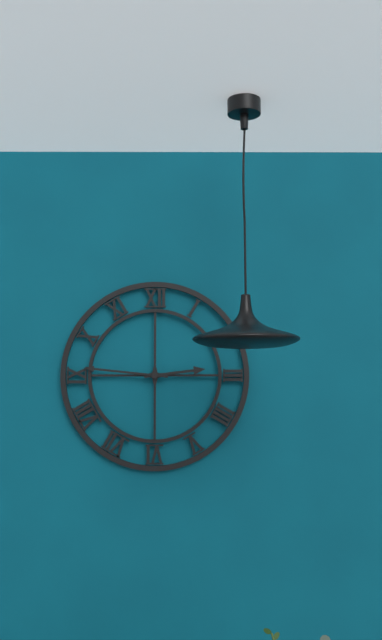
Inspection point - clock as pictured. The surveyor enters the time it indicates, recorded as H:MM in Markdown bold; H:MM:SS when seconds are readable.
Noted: **2:46**
